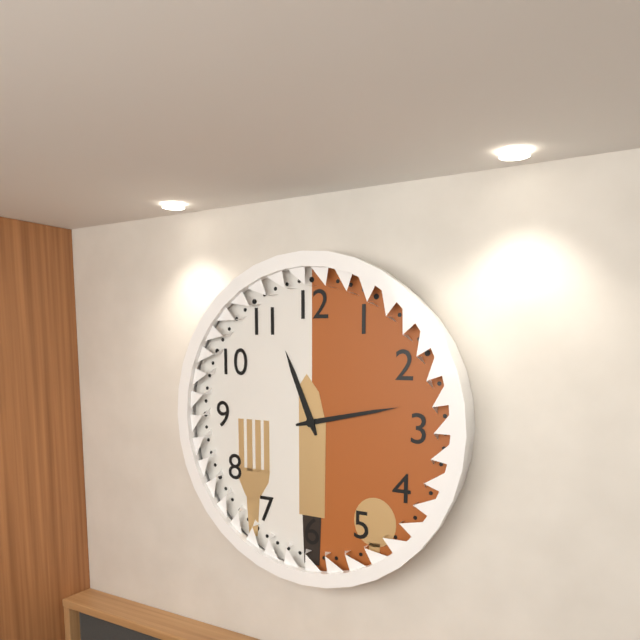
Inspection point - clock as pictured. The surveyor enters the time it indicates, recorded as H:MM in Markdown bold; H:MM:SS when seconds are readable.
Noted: **11:13**
